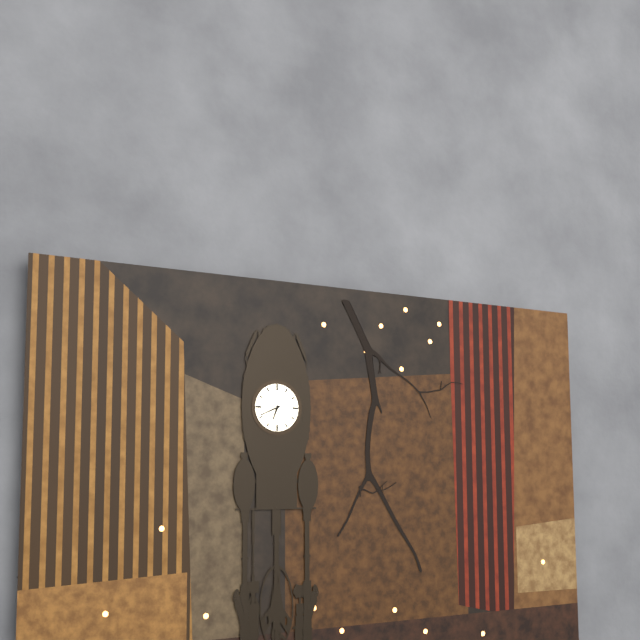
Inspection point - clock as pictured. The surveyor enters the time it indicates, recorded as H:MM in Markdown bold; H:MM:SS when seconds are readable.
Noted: **6:41**
